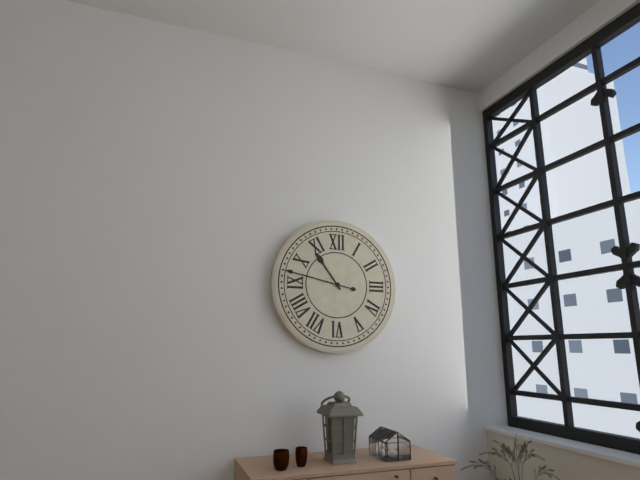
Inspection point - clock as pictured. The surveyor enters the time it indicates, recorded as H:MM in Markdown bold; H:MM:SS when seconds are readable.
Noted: **10:47**
